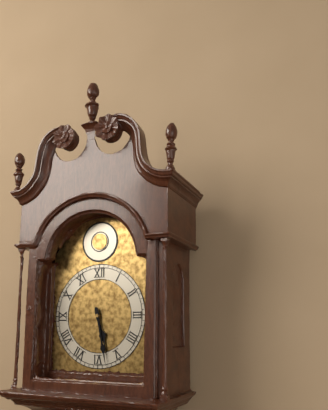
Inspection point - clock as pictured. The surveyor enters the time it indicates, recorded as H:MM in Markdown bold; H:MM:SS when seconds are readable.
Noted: **5:28**
